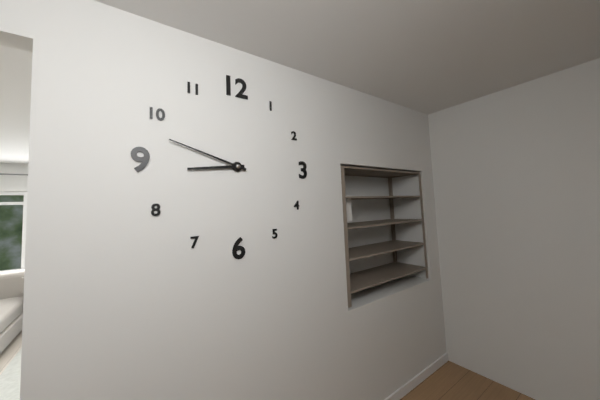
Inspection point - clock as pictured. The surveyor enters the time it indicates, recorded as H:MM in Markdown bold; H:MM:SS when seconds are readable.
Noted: **8:48**
